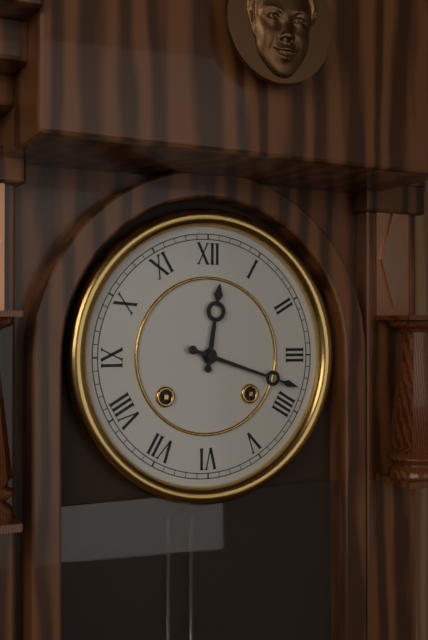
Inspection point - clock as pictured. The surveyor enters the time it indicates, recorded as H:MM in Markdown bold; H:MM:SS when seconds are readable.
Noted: **12:18**
